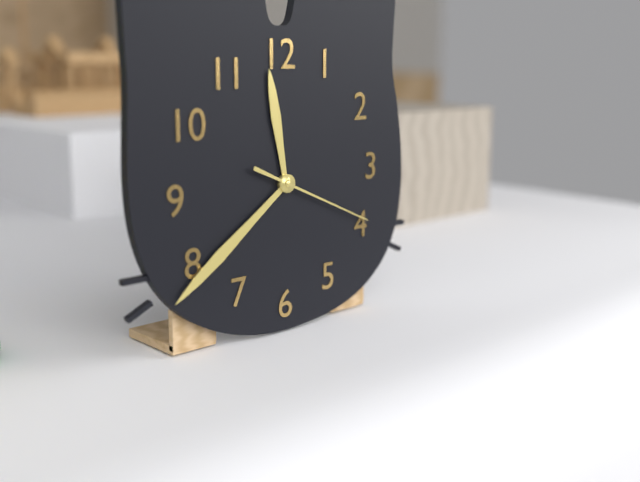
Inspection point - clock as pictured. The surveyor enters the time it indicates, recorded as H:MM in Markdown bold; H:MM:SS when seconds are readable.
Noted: **11:39:19**
